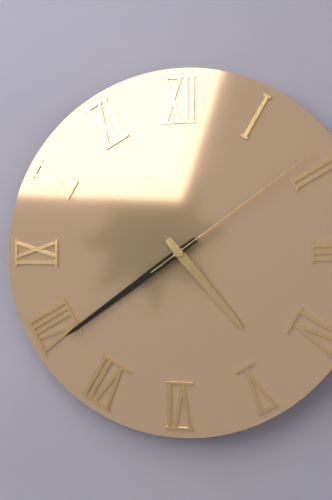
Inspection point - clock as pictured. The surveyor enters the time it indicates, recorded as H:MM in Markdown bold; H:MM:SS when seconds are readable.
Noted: **4:39:09**
